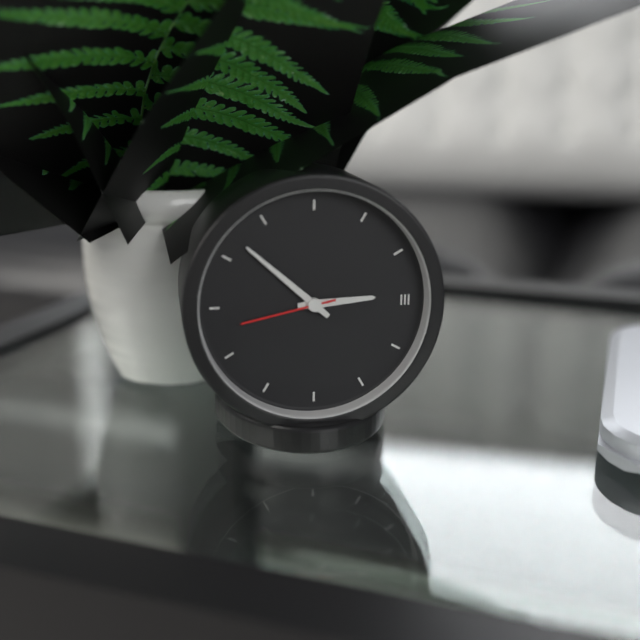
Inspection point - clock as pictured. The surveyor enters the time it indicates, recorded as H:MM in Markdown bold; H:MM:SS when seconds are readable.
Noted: **2:52:43**
